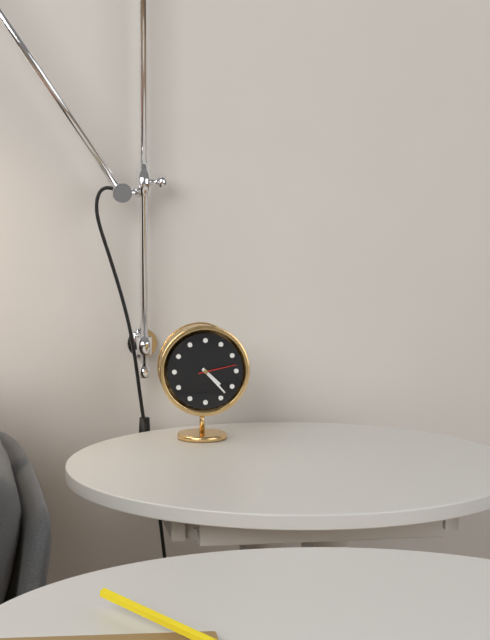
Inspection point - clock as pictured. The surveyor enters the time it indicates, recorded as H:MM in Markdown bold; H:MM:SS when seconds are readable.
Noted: **4:23**
